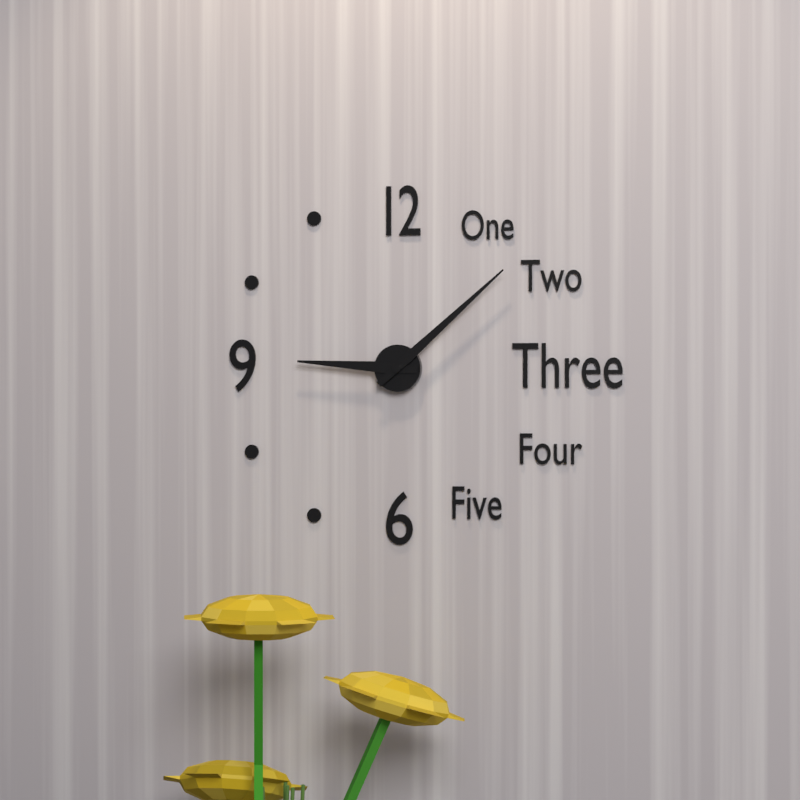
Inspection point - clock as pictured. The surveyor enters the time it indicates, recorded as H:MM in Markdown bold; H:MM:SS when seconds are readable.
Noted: **9:08**
